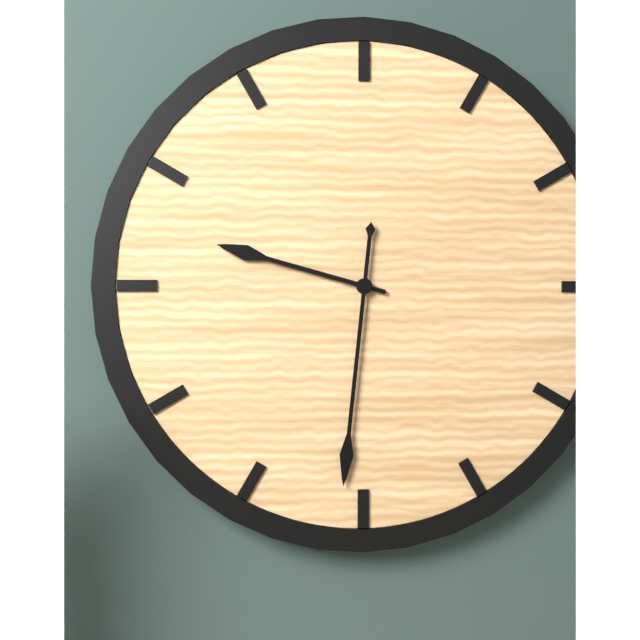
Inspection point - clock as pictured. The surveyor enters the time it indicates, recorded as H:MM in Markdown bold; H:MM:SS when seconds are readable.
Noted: **9:31**
